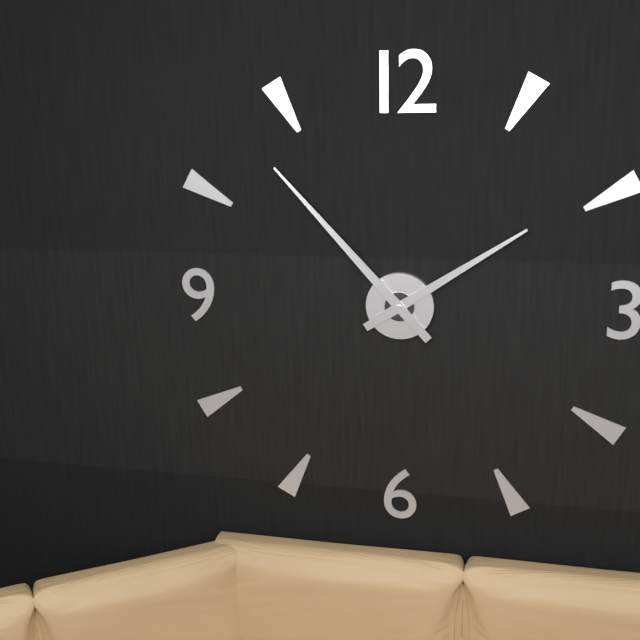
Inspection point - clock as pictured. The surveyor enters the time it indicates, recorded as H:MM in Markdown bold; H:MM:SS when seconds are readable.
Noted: **1:53**
